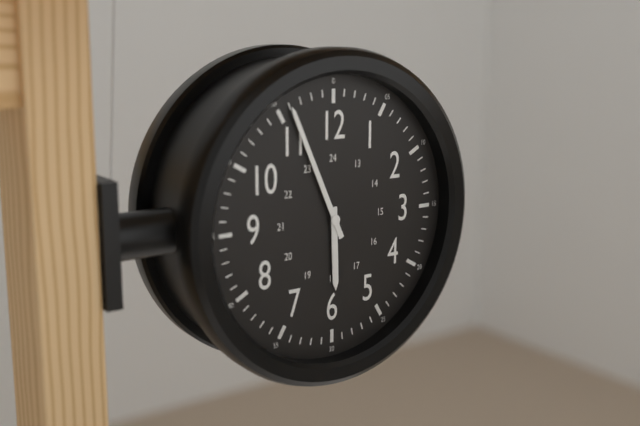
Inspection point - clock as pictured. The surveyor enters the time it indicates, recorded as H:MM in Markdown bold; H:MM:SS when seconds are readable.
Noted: **5:56**
